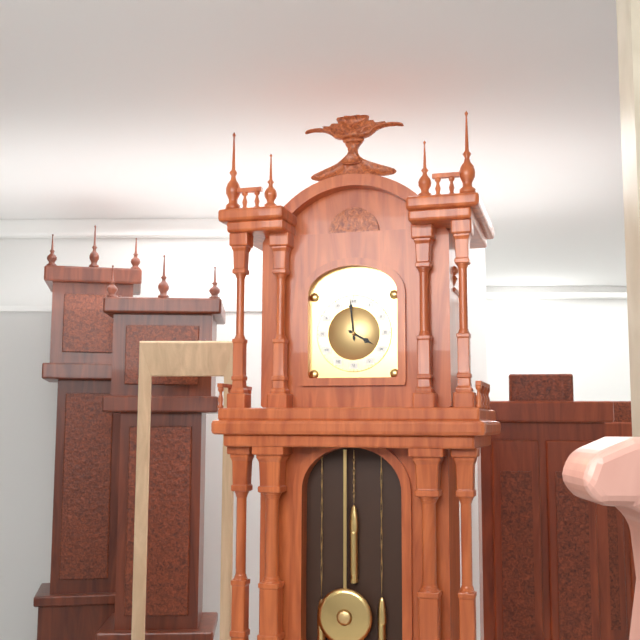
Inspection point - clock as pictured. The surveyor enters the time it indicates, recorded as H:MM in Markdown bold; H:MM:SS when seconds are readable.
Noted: **3:59**
